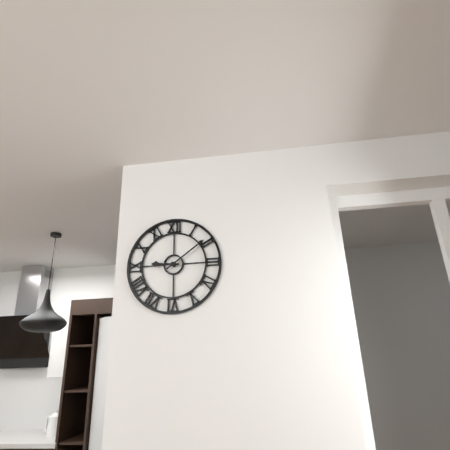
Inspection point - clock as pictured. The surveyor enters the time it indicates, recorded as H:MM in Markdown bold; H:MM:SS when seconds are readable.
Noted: **9:09**
